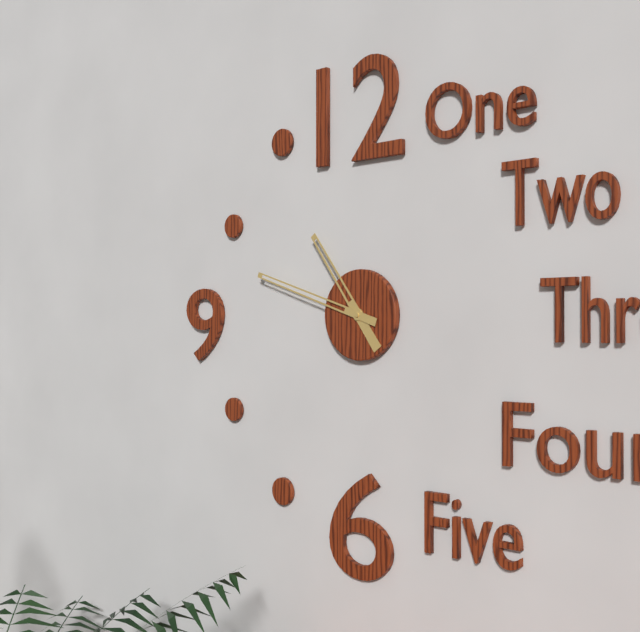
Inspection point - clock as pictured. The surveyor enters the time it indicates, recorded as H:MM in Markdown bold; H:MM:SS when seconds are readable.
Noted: **10:48**
